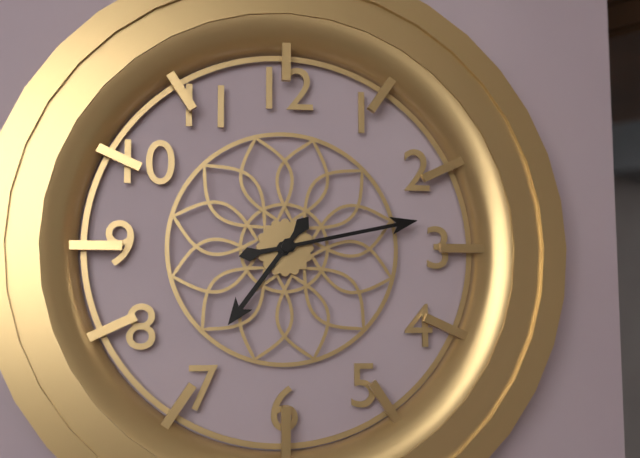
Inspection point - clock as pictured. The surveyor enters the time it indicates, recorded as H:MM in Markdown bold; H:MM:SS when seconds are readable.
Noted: **7:13**
